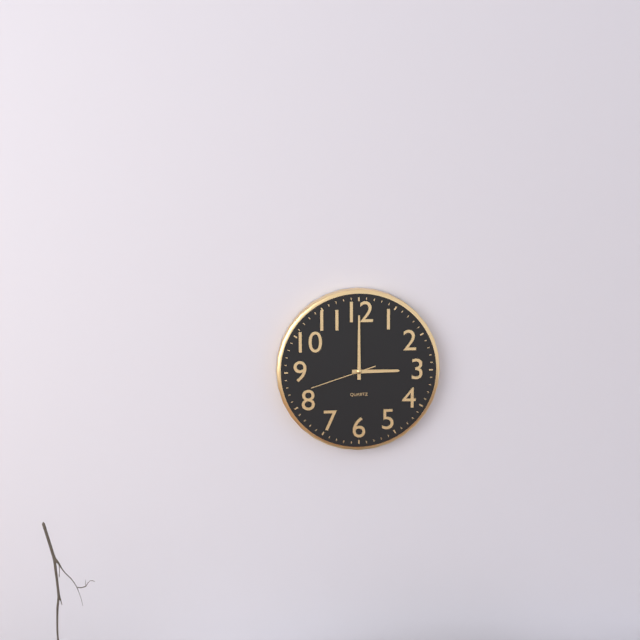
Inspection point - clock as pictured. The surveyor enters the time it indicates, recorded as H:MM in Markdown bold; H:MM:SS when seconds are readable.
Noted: **3:00:42**
